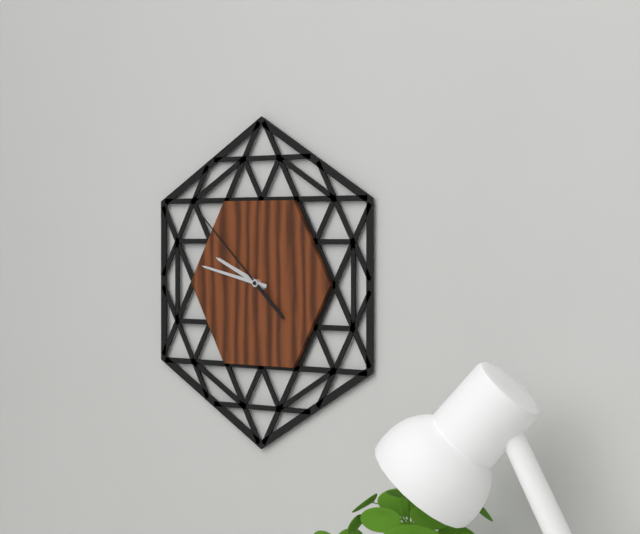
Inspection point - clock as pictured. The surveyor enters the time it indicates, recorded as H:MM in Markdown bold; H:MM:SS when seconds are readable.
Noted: **9:47:52**
